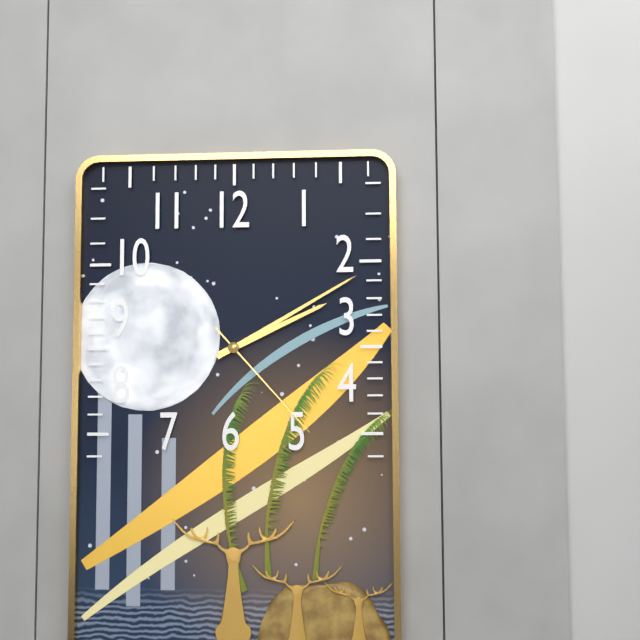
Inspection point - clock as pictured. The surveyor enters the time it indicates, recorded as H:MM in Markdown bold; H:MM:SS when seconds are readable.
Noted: **2:10:23**
